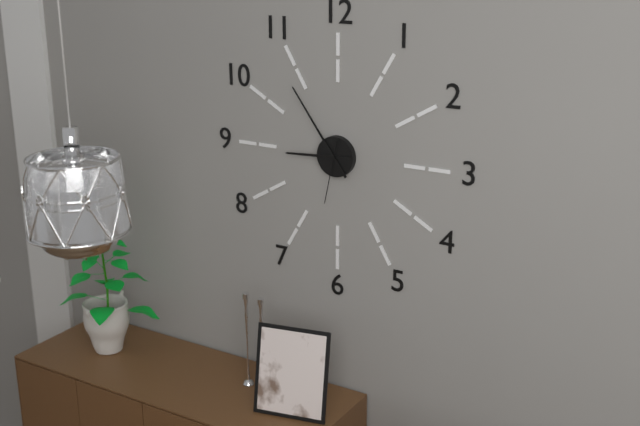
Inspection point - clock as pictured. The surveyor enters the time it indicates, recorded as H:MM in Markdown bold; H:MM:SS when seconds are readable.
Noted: **8:54:32**
